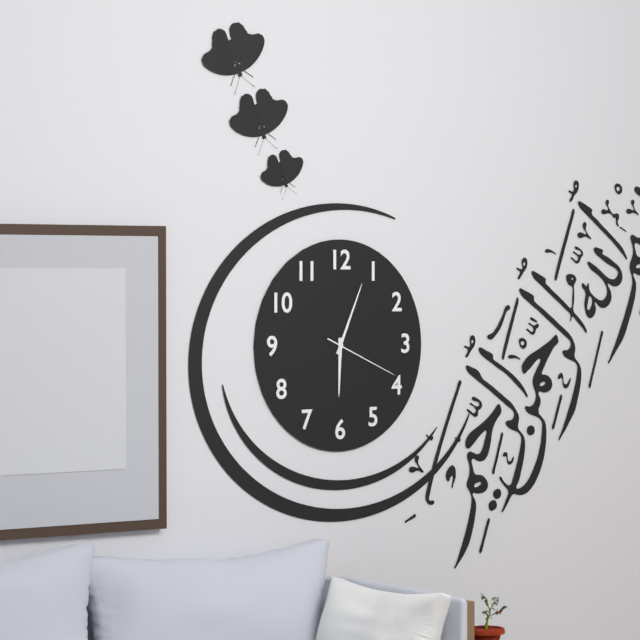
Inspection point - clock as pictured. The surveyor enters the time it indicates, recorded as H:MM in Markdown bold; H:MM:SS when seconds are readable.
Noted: **6:04:19**
